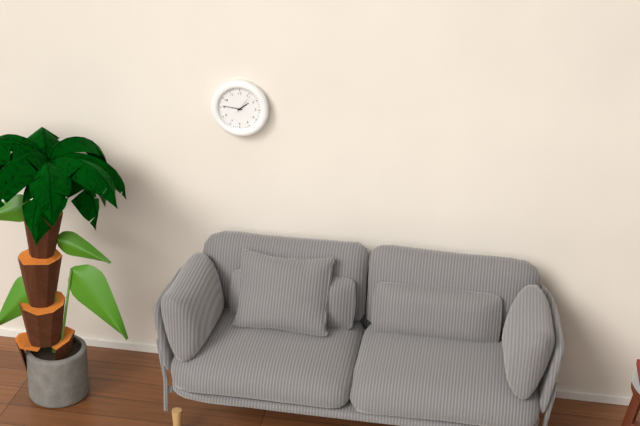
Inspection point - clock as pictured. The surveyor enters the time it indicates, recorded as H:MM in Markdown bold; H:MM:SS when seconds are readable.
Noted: **1:46**
